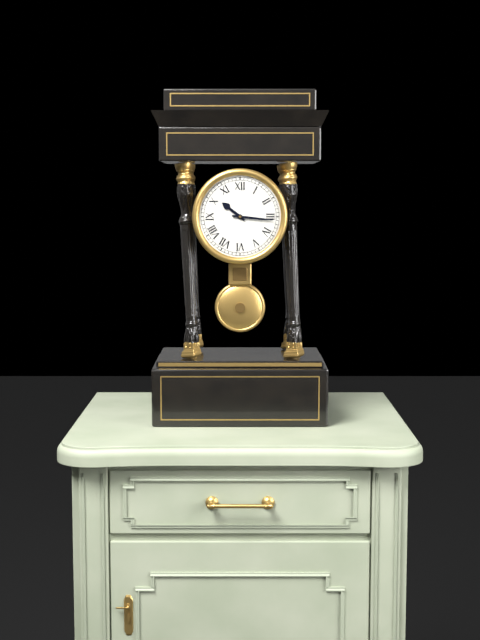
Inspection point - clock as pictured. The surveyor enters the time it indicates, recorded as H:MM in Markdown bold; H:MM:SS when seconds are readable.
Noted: **10:16**
